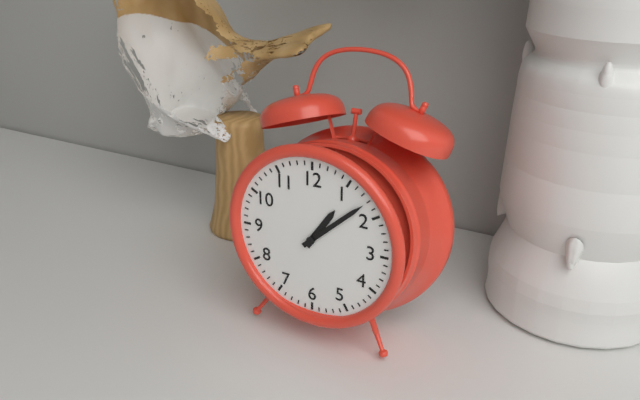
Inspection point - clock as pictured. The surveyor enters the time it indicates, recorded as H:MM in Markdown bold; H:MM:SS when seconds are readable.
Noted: **1:08**
